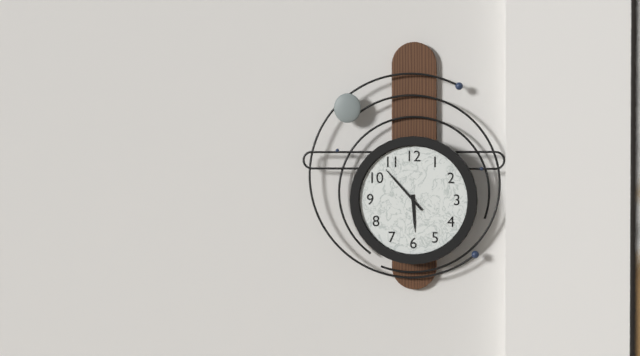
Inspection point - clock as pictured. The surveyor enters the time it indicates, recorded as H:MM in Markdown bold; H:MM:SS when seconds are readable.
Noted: **5:53**
